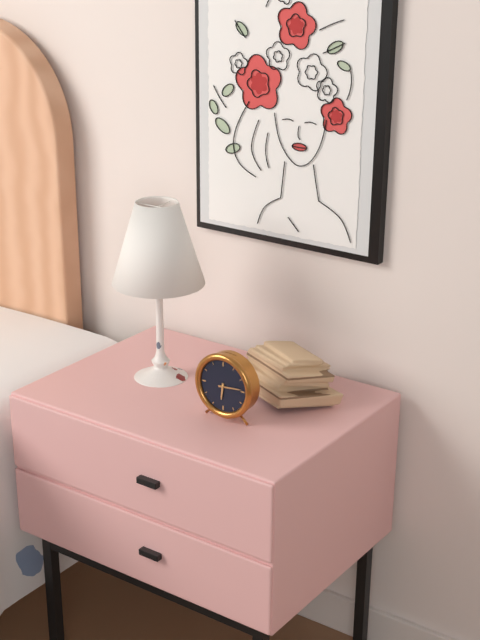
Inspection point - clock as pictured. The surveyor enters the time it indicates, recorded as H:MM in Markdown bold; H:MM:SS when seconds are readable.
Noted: **6:14**
